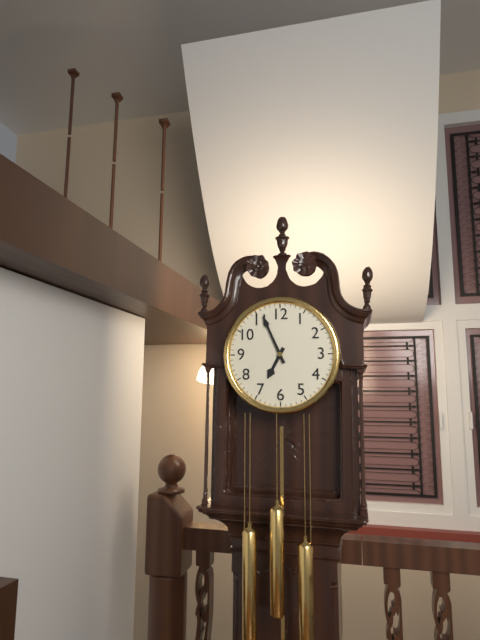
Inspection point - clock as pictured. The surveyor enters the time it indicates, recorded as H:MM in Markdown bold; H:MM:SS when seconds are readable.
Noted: **6:56**
